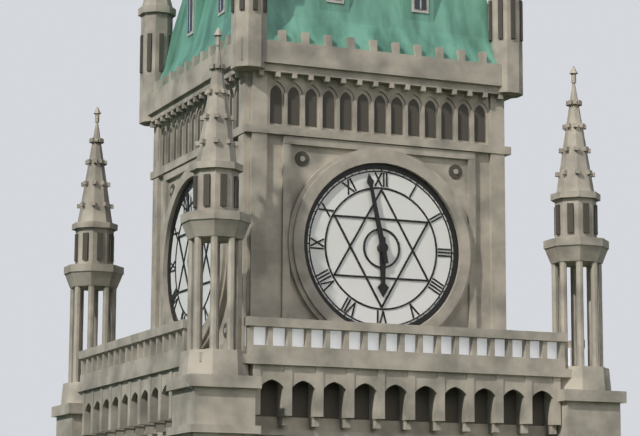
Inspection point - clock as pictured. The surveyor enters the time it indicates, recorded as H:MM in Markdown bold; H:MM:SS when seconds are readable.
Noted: **5:58**
